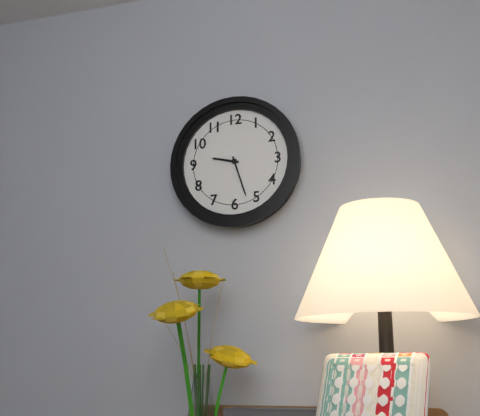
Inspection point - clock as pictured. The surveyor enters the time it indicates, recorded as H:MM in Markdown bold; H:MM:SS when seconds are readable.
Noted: **9:27**
